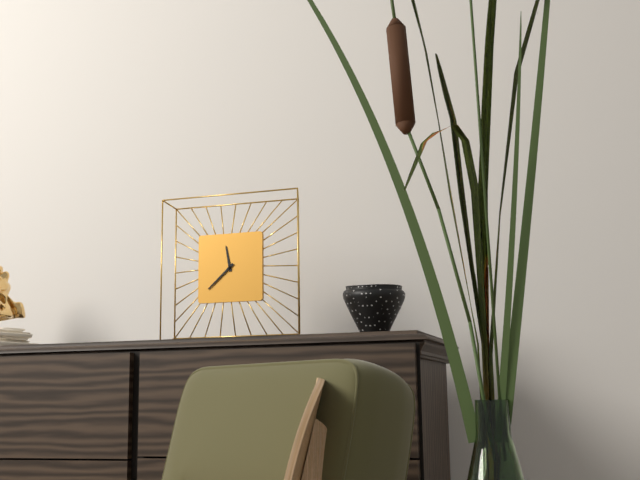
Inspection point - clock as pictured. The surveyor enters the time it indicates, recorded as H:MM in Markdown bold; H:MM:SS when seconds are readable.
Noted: **11:38**
